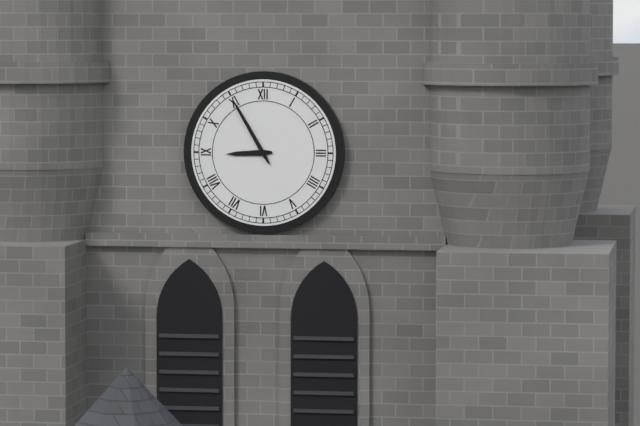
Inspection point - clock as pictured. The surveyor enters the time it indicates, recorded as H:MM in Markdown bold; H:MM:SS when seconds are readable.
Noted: **8:55**
